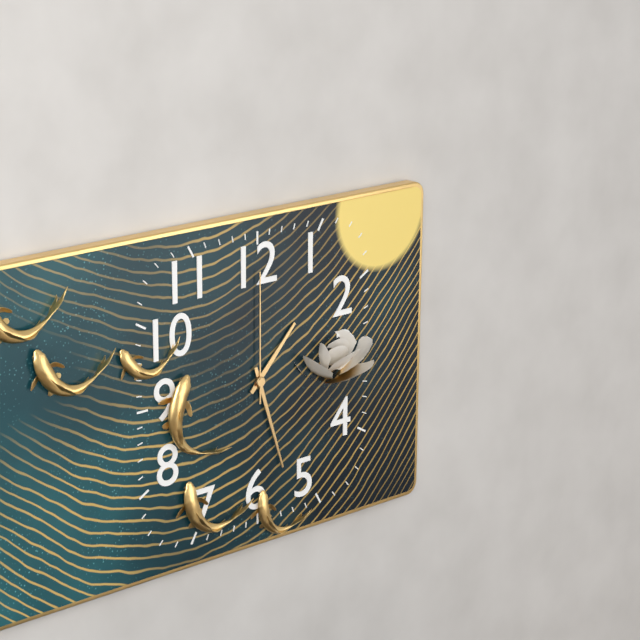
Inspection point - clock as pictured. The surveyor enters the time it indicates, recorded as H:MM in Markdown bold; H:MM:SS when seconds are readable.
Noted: **1:27:00**
